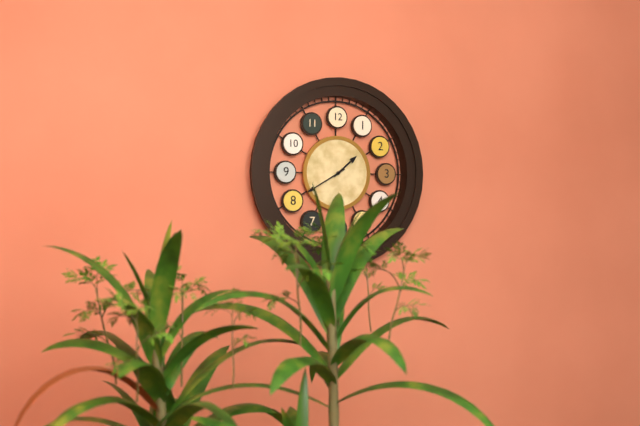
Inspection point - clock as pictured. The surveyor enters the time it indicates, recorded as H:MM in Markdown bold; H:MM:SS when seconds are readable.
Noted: **1:40**
